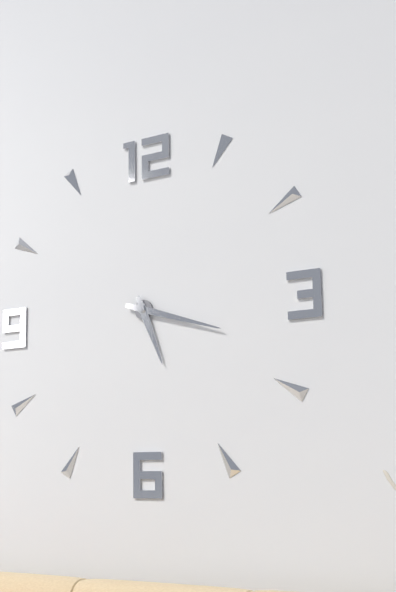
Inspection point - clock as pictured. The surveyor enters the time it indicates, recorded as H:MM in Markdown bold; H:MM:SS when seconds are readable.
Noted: **5:18**
